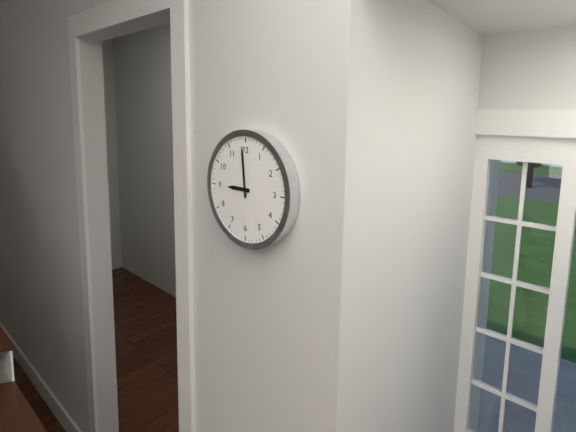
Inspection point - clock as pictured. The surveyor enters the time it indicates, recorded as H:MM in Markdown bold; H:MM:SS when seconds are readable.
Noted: **8:59**
